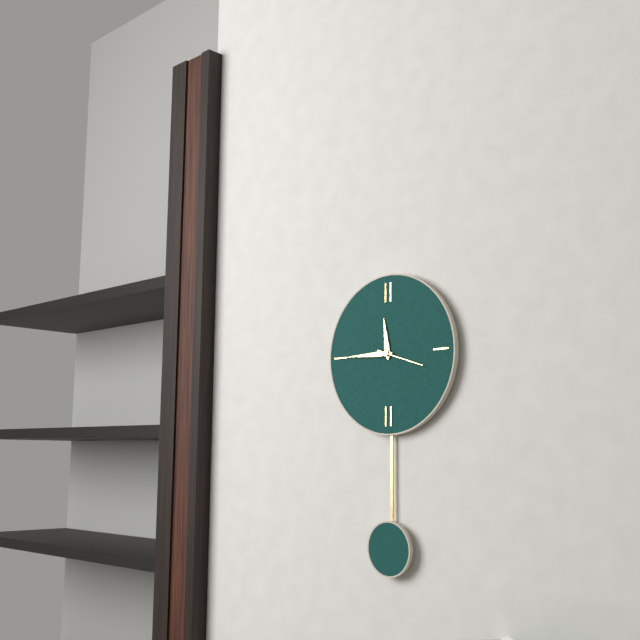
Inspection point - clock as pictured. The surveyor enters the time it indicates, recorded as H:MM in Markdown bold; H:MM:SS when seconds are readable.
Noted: **11:45**
